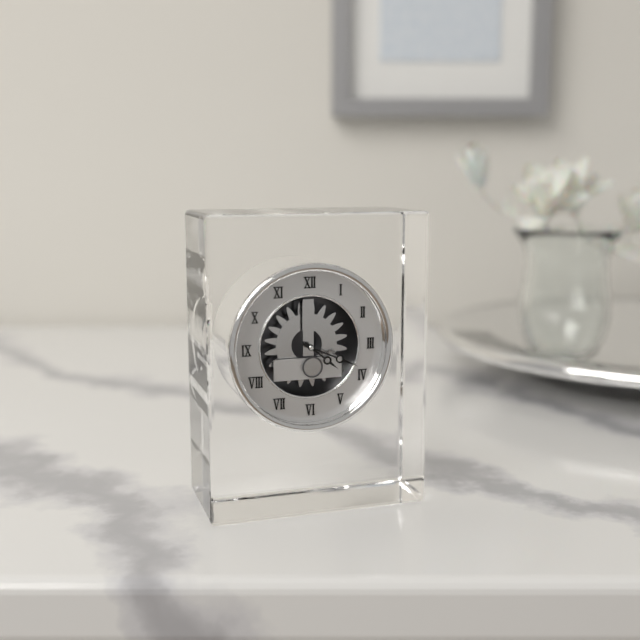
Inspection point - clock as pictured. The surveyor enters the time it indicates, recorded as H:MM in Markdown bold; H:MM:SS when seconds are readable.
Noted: **4:19**
